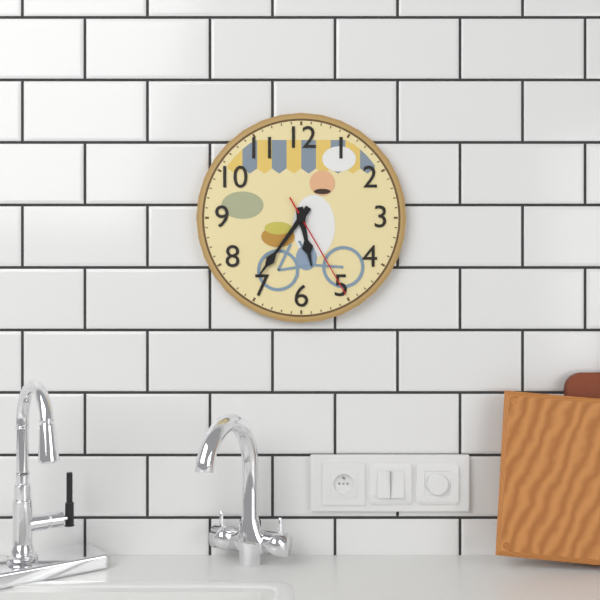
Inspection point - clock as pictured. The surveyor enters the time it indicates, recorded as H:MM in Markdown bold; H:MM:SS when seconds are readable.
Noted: **5:36:25**
